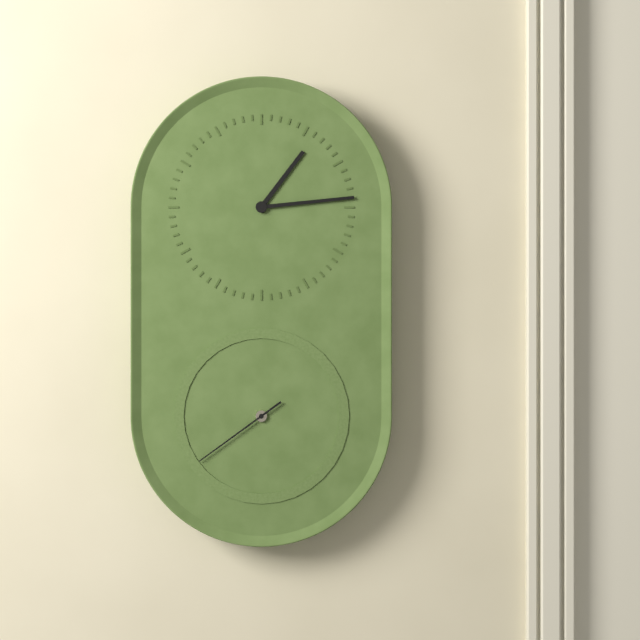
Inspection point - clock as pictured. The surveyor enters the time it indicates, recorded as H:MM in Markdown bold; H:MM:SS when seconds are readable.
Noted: **1:14:39**
